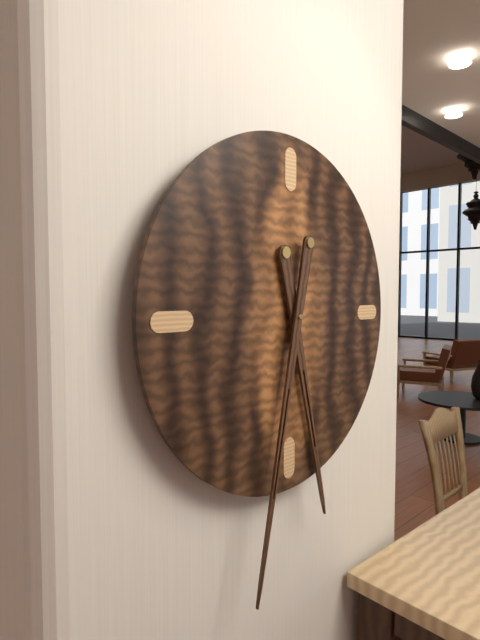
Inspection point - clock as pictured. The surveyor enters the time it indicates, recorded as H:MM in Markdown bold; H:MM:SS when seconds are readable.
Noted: **5:32**
